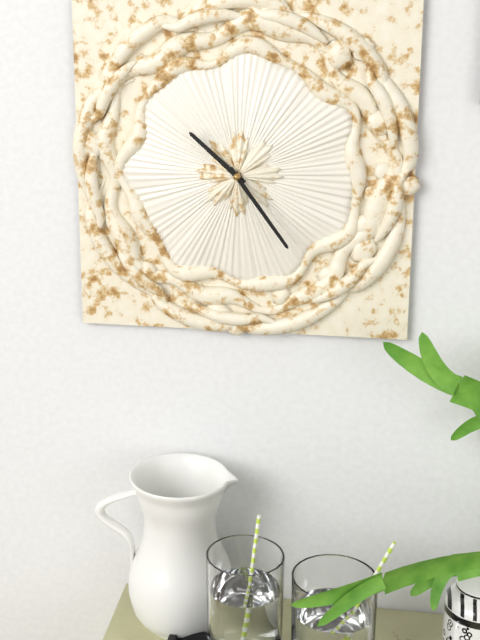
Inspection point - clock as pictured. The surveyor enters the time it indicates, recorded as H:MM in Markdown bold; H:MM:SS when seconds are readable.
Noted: **10:24**
